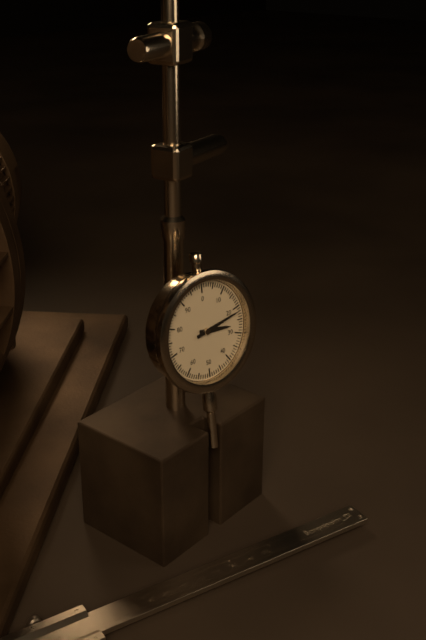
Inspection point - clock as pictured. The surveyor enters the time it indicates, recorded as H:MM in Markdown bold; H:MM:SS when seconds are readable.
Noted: **3:13**
